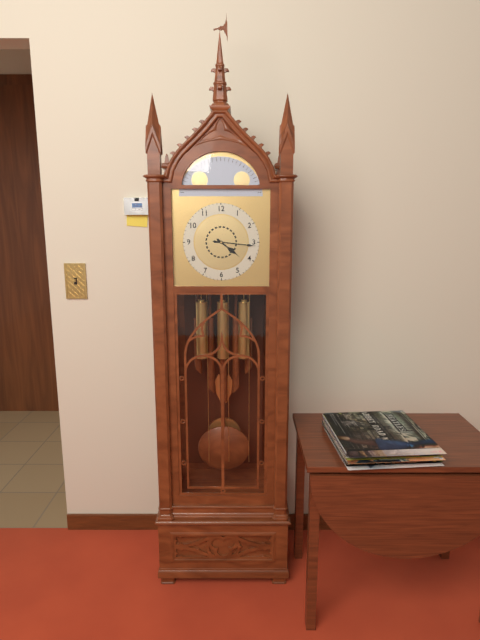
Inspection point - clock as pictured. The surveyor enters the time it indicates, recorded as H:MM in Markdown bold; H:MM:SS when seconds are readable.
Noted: **4:16**
